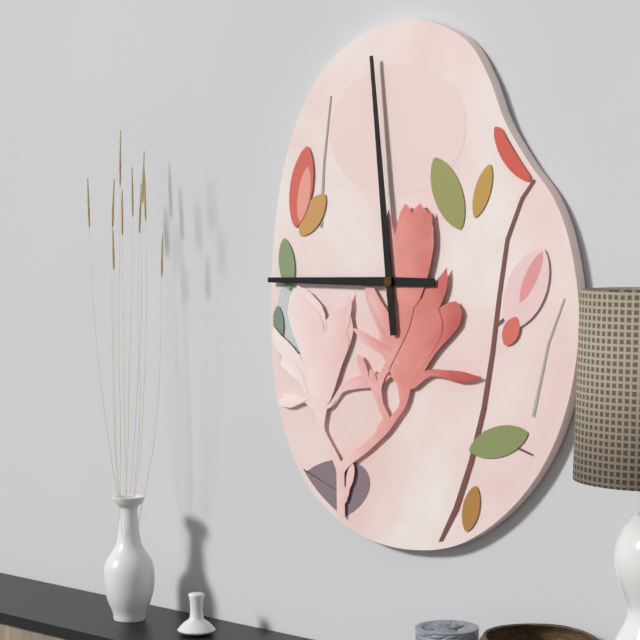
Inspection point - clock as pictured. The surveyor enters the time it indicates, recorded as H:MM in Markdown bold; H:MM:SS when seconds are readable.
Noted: **8:59**
